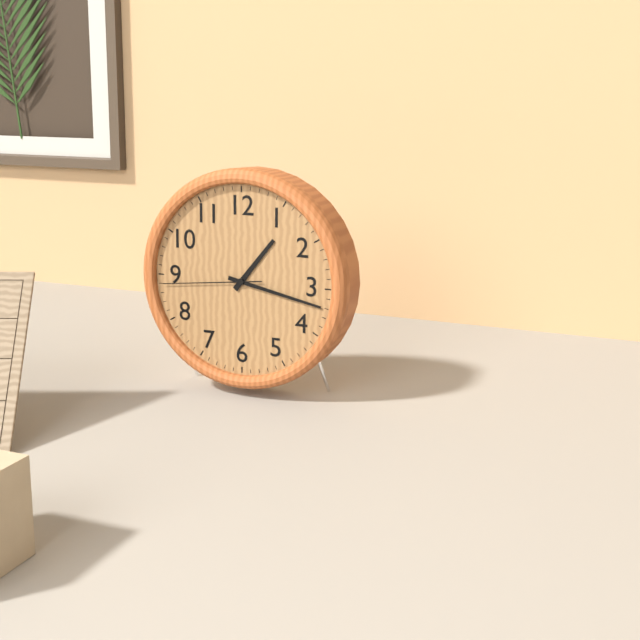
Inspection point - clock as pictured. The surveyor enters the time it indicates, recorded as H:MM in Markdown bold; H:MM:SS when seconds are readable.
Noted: **1:17:44**
